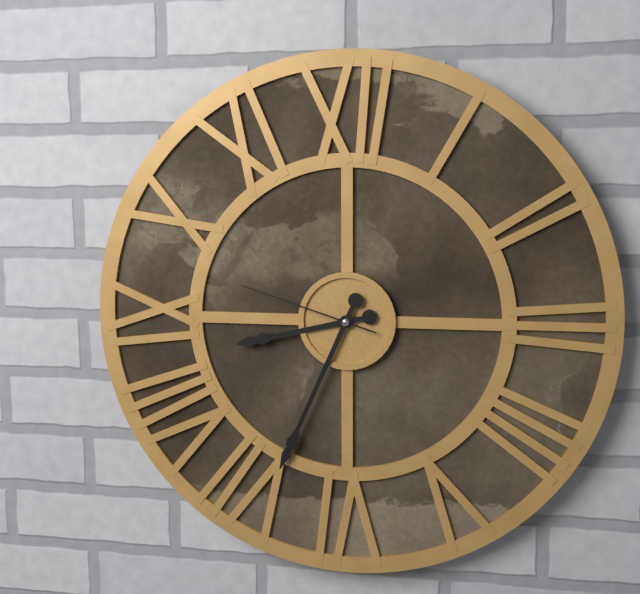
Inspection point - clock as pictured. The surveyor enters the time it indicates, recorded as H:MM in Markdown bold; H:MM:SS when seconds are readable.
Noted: **8:34:48**
